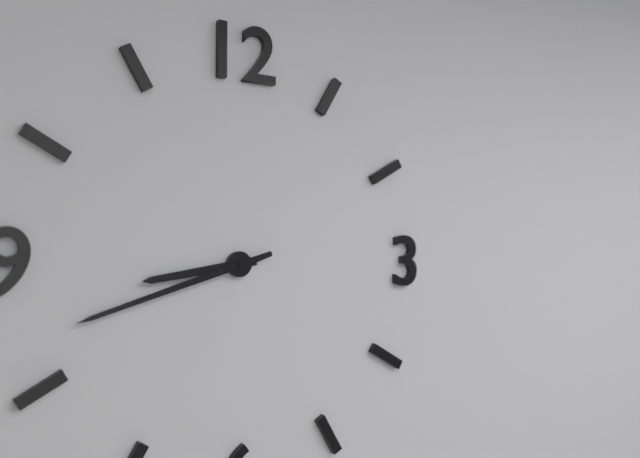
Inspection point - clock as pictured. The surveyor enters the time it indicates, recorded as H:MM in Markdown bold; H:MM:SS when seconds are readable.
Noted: **8:42**
